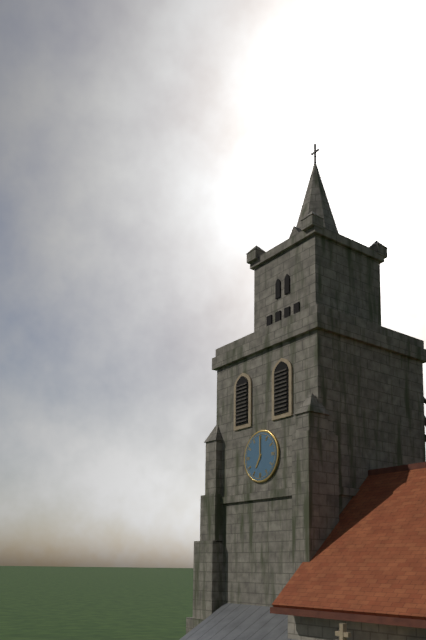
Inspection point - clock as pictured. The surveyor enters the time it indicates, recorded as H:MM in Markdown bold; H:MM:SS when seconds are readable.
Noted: **7:00**
